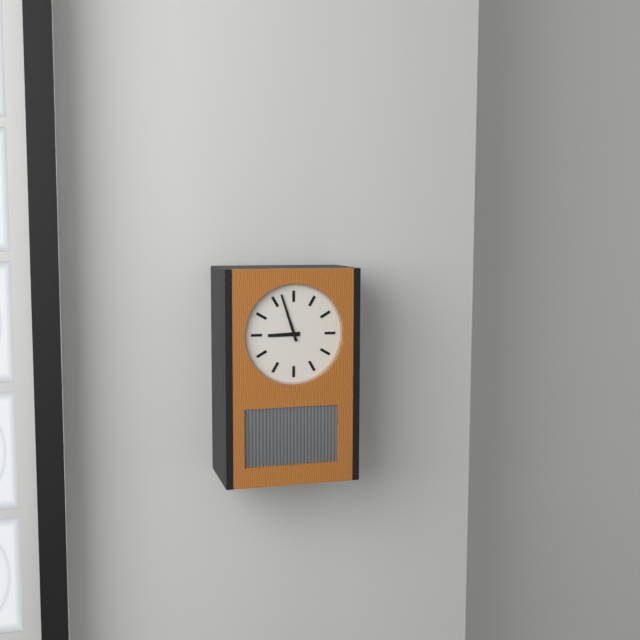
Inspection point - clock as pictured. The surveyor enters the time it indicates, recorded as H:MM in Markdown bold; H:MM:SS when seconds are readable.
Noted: **8:57**
